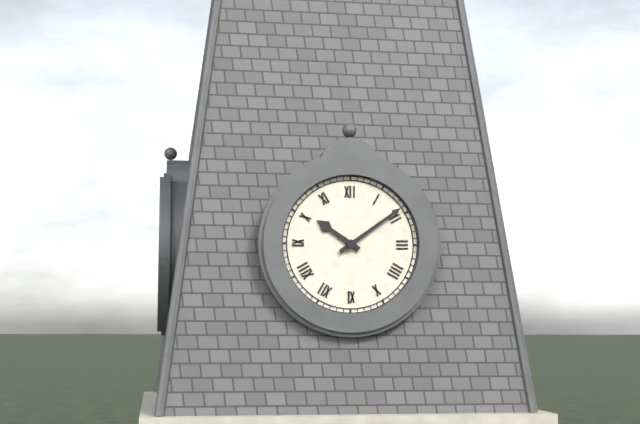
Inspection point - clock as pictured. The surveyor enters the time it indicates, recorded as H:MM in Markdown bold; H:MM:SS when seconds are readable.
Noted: **10:09**
